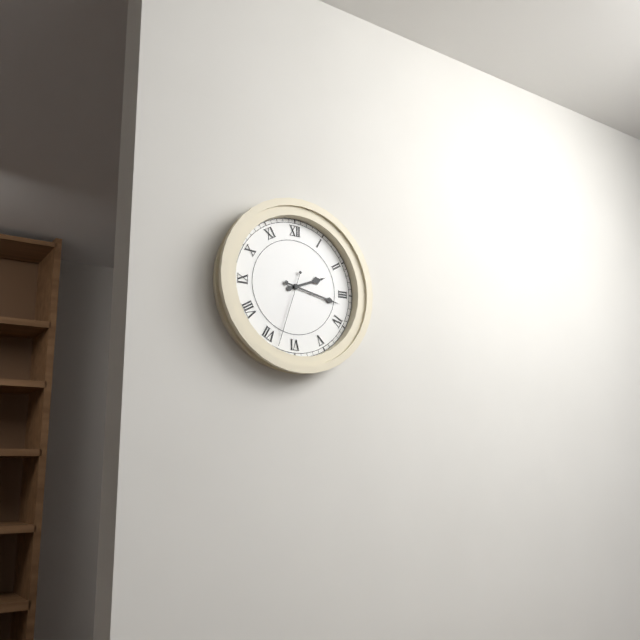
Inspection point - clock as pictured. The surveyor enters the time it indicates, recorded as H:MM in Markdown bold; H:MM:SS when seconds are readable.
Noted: **2:17:33**
